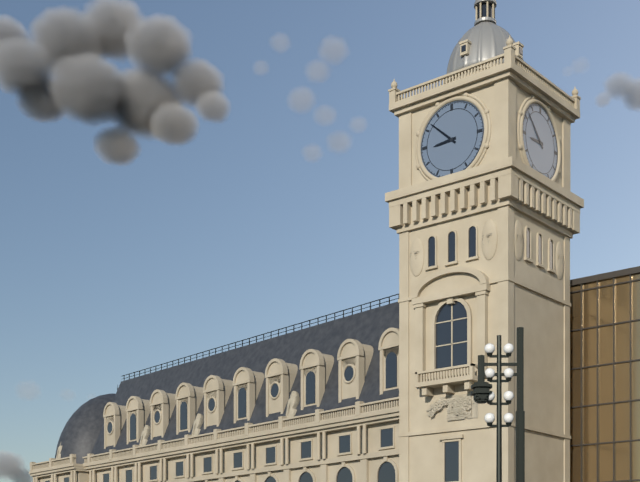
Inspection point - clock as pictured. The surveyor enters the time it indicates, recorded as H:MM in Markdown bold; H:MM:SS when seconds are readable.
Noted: **8:52**
